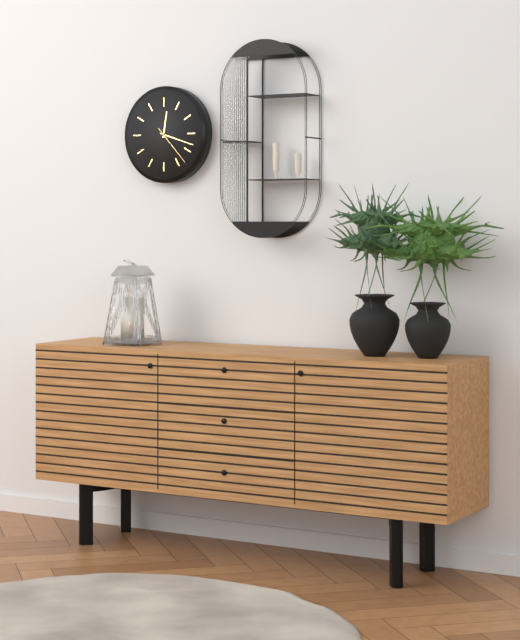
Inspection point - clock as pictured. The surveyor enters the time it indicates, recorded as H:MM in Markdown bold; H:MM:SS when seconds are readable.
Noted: **12:18**
